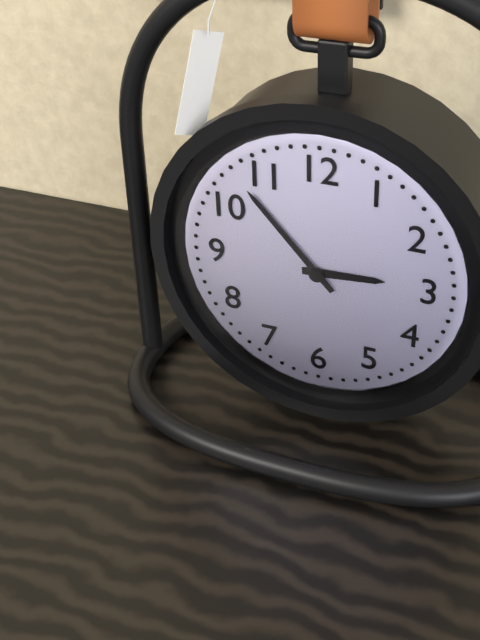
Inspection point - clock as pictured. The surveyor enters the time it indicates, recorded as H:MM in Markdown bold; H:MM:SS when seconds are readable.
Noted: **2:53**
